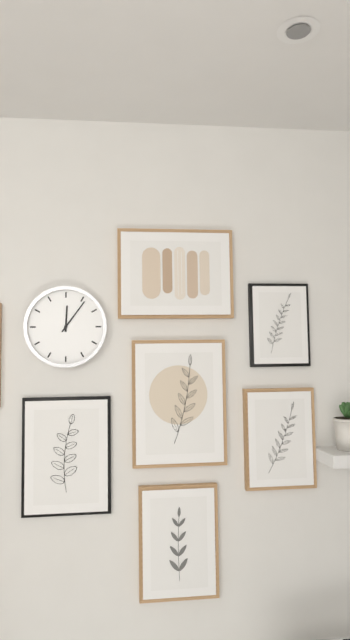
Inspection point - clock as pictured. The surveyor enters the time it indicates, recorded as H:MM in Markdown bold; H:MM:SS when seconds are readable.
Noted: **12:06**
